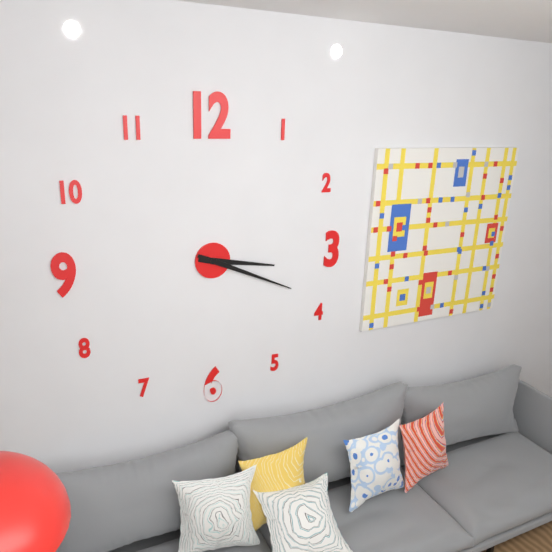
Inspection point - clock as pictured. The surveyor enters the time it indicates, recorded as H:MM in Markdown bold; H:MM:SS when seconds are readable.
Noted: **3:19**
